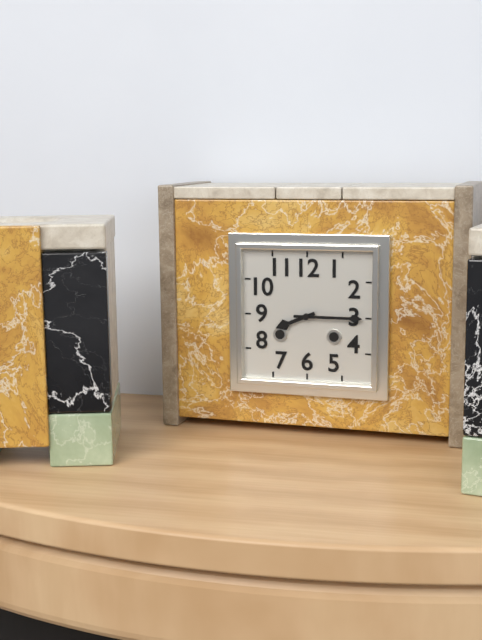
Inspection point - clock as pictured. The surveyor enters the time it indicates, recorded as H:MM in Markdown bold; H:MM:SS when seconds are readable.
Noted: **8:15**
